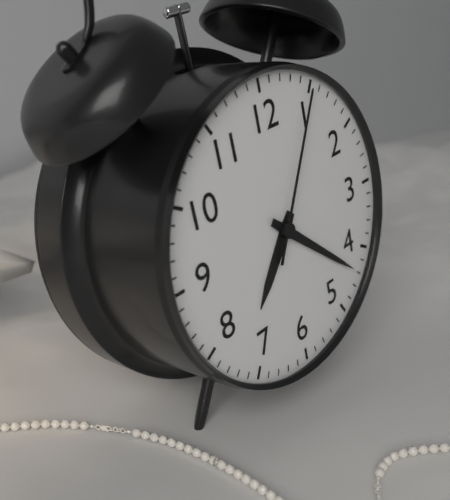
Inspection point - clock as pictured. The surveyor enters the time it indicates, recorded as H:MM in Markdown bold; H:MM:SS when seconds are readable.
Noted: **7:22:05**
